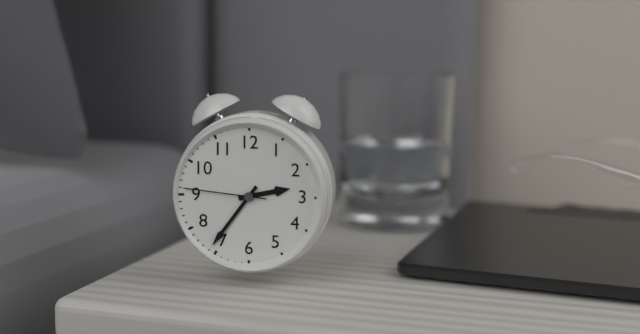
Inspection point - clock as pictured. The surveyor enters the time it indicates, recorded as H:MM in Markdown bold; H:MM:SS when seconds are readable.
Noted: **2:36:46**
